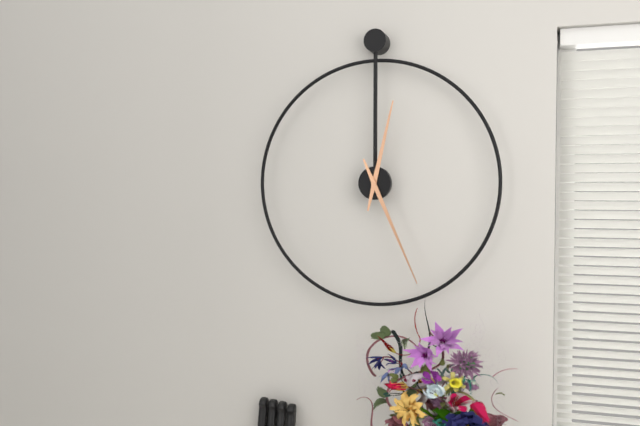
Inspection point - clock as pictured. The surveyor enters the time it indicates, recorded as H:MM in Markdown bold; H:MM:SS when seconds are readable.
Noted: **12:26**
